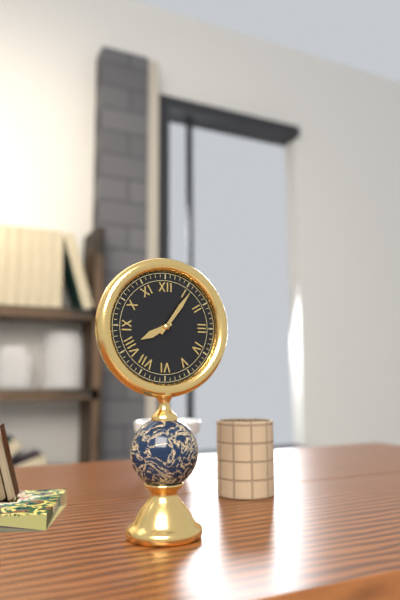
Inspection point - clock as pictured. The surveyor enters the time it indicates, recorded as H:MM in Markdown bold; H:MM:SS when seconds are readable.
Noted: **8:06**
